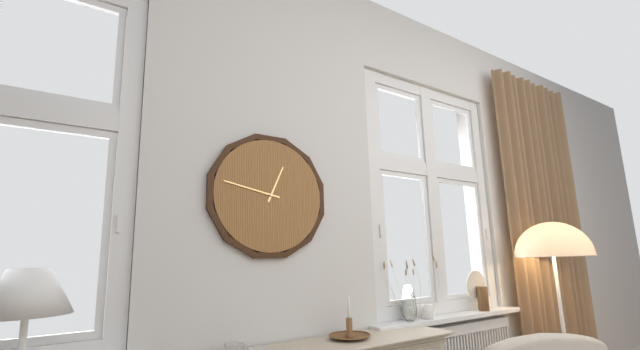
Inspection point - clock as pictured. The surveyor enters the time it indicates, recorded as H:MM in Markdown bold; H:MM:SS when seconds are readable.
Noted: **12:47**
